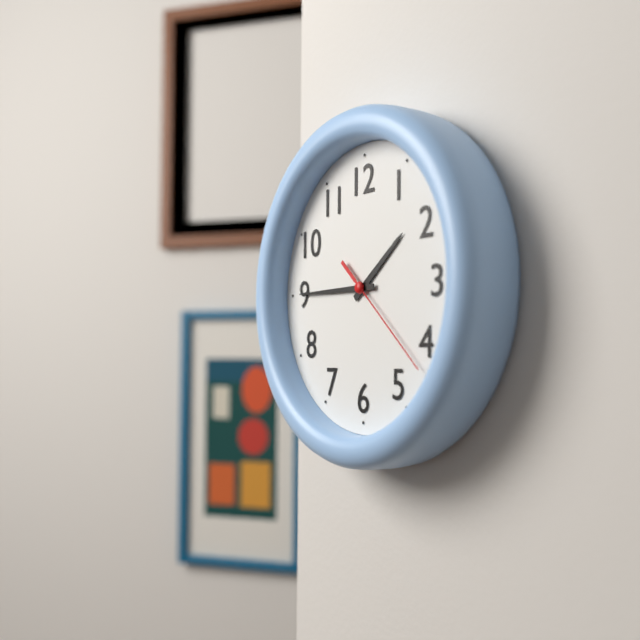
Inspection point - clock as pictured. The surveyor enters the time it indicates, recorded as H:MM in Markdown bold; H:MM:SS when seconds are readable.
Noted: **1:45:22**
